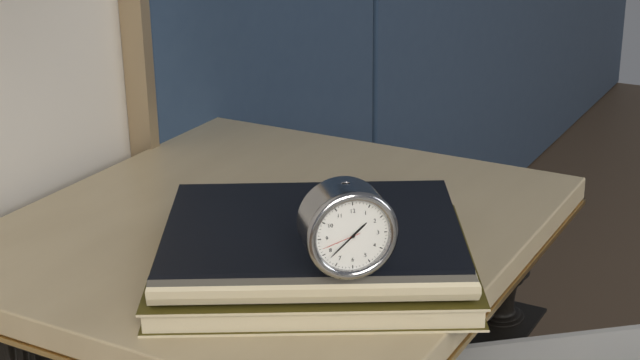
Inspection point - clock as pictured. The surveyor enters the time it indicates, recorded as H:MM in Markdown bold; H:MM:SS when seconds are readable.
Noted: **1:38**
